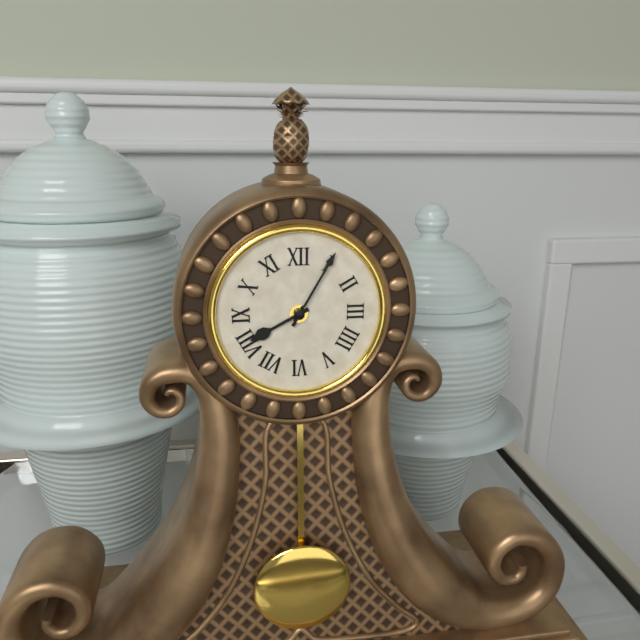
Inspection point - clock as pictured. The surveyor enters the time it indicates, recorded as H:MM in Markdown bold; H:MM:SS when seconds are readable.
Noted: **8:05**
